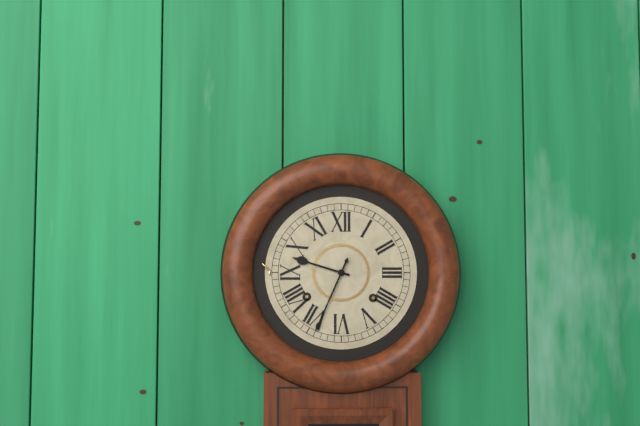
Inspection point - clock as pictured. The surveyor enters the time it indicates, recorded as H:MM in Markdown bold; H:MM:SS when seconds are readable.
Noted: **9:34**
